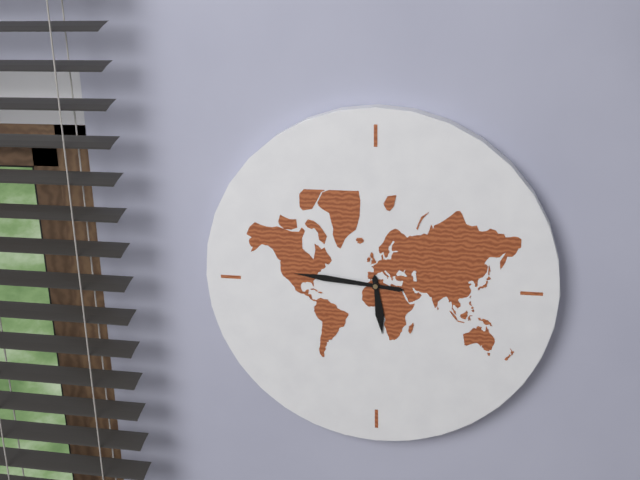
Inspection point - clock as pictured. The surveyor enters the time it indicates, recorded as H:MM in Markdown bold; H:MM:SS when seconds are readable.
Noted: **5:46**
